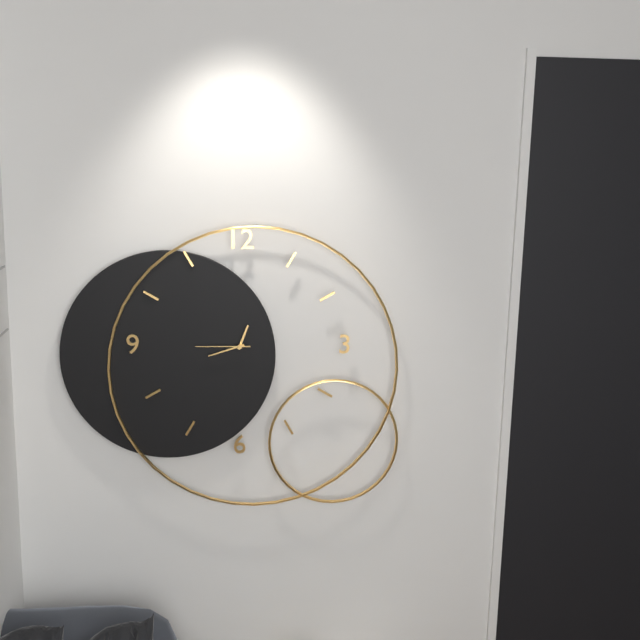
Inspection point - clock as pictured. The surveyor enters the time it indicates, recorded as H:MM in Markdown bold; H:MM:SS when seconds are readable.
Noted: **12:42:45**
